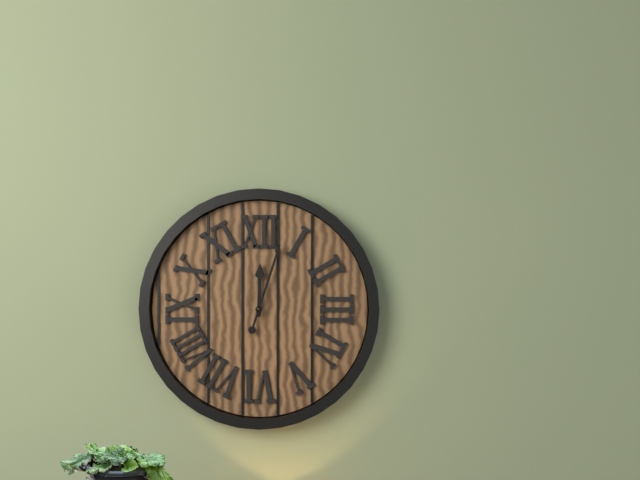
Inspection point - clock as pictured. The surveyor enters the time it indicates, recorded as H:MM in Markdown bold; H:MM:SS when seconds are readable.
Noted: **12:03**
